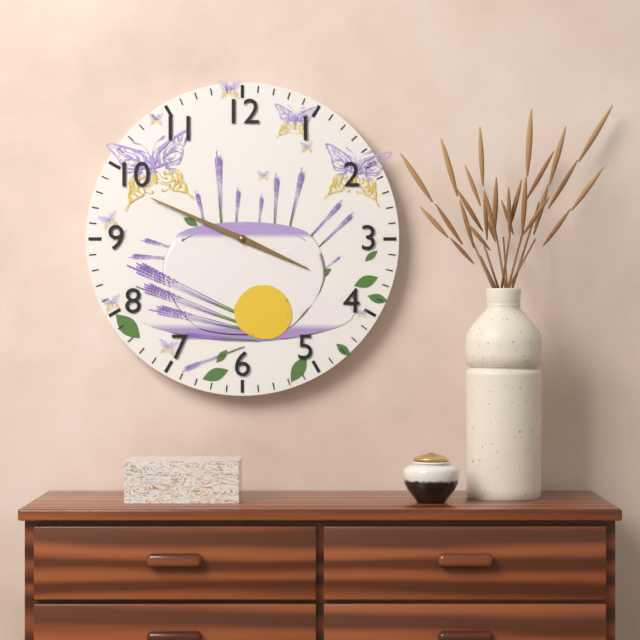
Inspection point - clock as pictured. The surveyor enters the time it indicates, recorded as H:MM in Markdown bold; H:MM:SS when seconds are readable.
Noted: **3:49**
